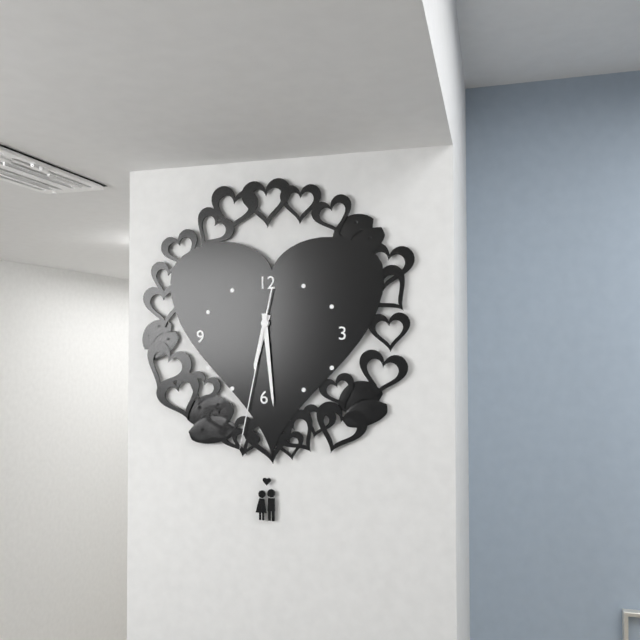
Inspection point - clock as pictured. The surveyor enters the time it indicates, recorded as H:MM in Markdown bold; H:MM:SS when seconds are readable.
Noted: **6:29:32**
